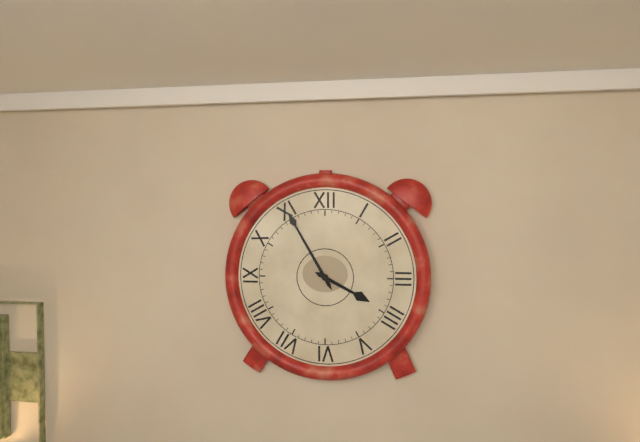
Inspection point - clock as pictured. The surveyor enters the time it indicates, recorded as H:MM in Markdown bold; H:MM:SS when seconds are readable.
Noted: **3:55**
